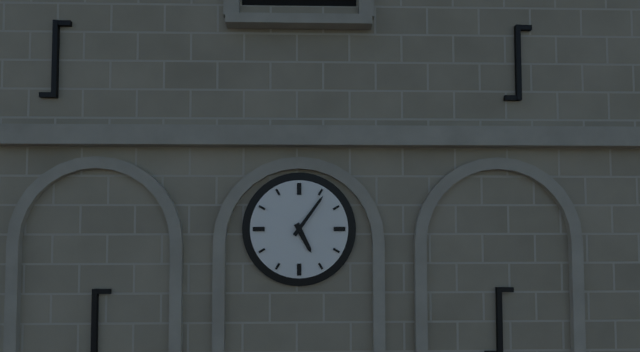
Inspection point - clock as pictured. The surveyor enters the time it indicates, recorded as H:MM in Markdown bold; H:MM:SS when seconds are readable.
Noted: **5:06**
